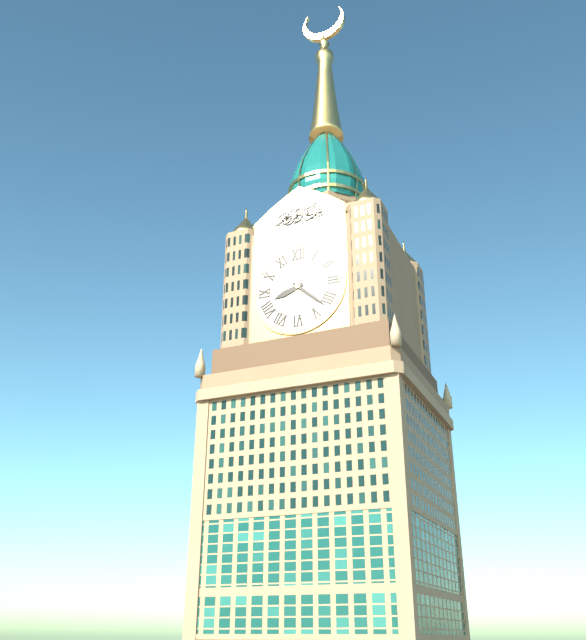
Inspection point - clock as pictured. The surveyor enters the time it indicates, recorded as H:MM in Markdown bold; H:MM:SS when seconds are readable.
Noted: **8:22**
